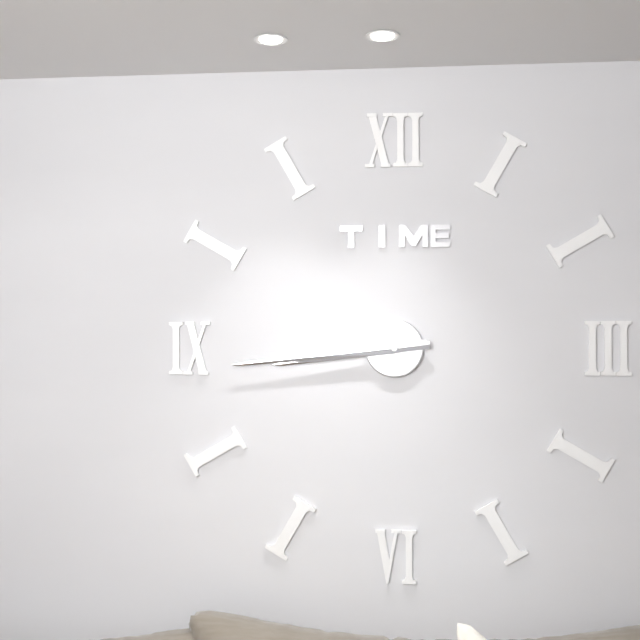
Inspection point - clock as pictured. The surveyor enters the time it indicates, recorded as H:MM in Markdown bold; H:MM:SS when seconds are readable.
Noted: **8:44**
